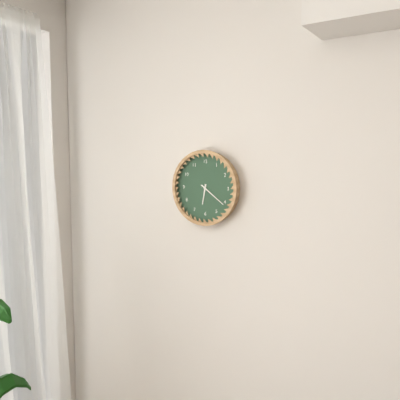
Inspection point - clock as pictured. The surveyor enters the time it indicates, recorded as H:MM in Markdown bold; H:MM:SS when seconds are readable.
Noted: **6:21**
